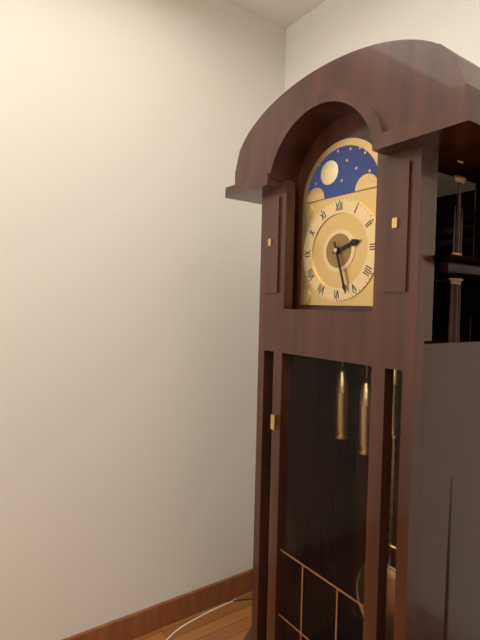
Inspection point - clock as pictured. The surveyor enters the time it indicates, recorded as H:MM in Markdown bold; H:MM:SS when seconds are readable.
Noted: **2:27**
